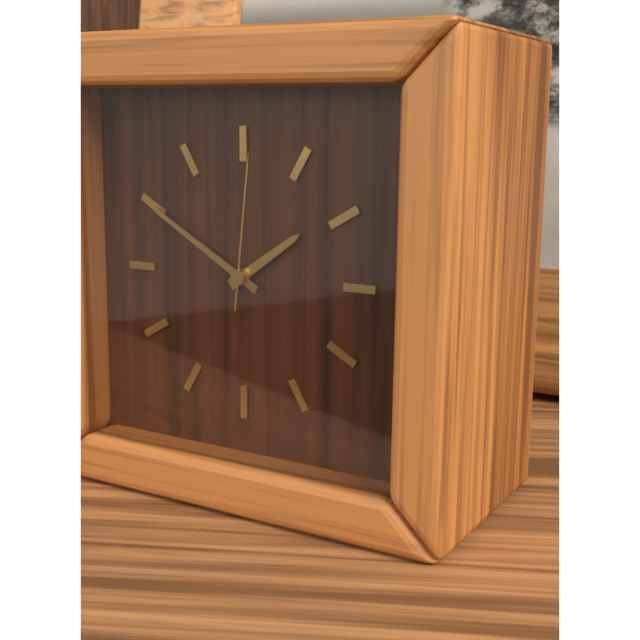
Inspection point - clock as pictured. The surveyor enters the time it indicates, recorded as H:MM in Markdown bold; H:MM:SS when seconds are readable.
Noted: **1:50:01**
